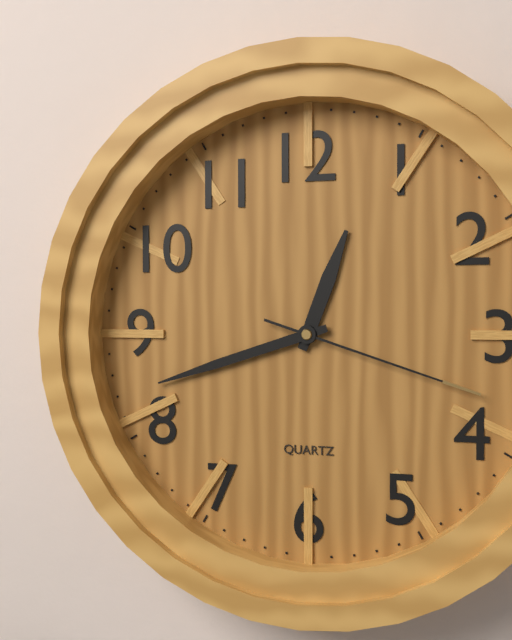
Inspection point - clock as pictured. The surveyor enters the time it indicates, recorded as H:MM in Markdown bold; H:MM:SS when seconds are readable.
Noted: **12:42:18**
